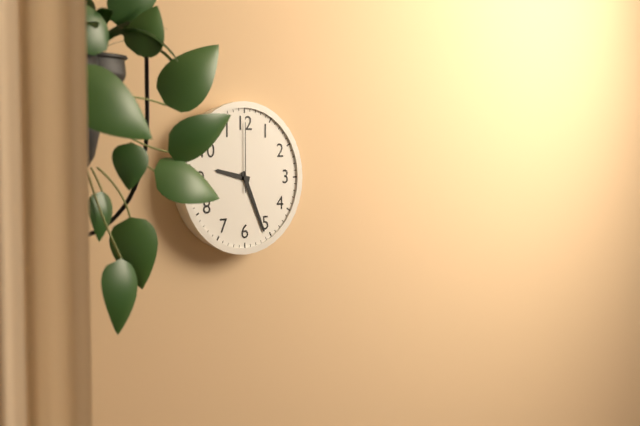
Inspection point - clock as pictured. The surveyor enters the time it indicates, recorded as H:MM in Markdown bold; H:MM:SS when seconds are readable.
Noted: **9:26:00**
